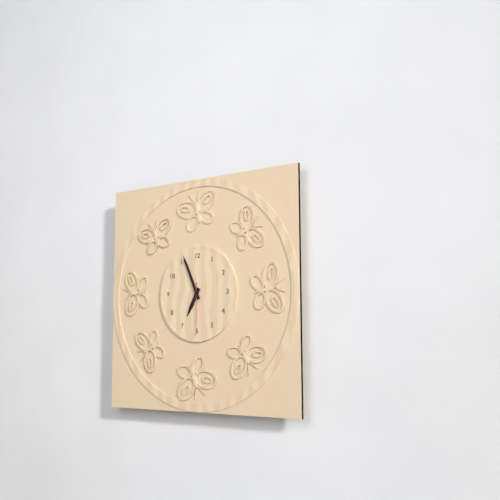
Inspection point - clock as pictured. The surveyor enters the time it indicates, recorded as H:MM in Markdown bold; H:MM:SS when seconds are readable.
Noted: **6:56:30**
